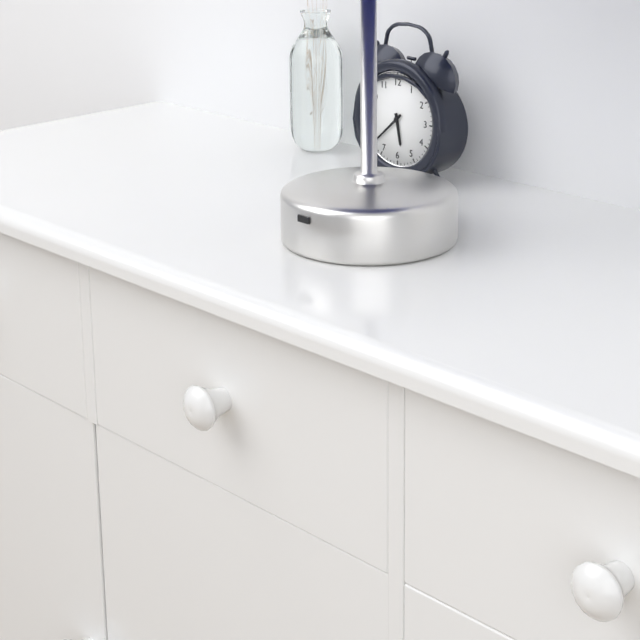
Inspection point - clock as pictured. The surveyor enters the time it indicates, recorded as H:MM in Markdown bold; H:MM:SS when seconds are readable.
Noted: **5:38**
